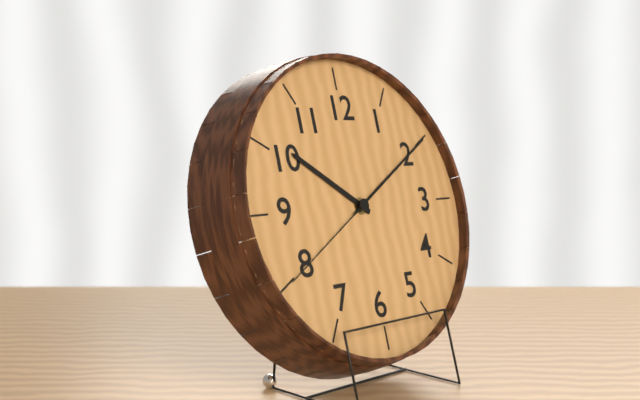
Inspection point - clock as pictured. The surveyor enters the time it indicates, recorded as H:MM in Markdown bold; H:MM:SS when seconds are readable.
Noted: **10:10:40**
